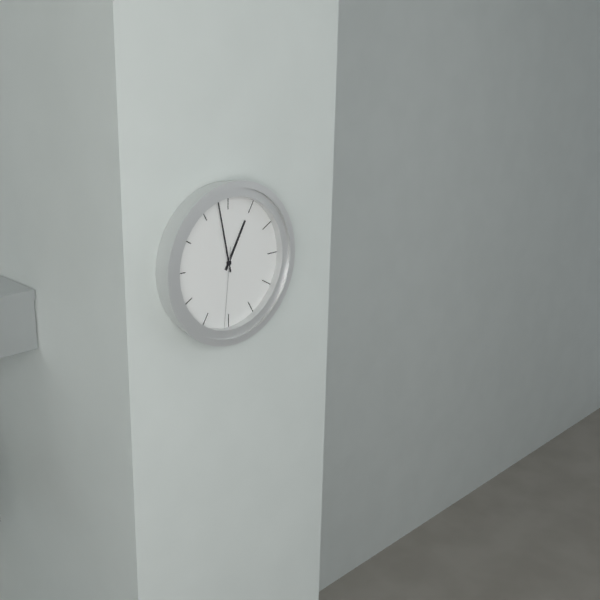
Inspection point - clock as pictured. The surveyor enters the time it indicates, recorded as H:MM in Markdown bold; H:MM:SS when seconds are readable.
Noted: **12:58:31**
